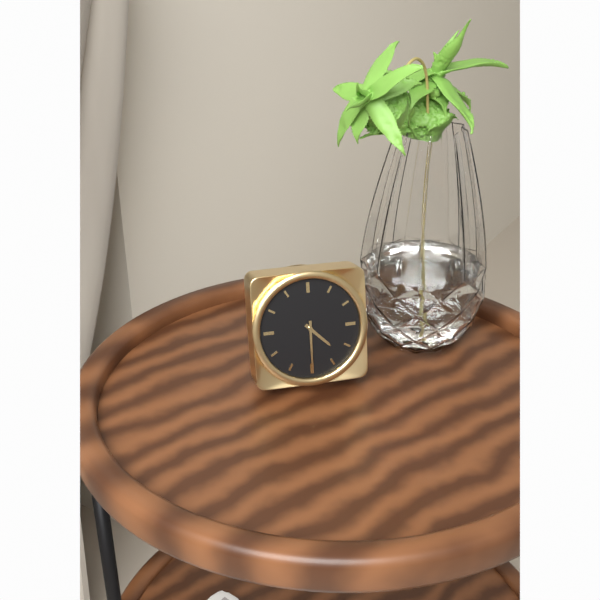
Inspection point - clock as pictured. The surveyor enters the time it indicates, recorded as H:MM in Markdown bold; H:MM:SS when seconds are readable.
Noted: **4:30**
